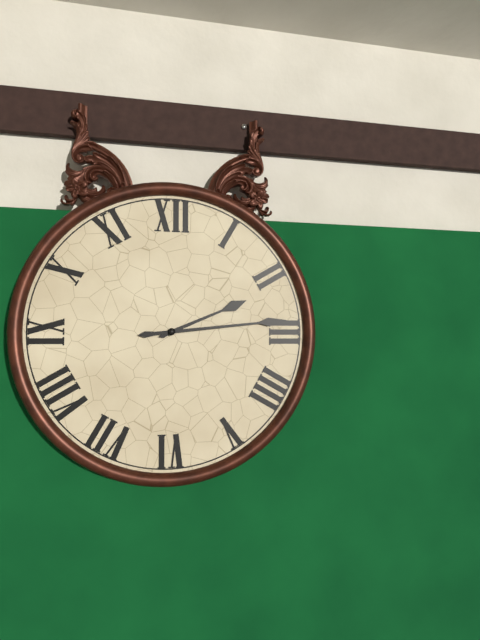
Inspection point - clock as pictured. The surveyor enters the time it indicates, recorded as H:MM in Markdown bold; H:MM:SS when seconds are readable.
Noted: **2:14**
